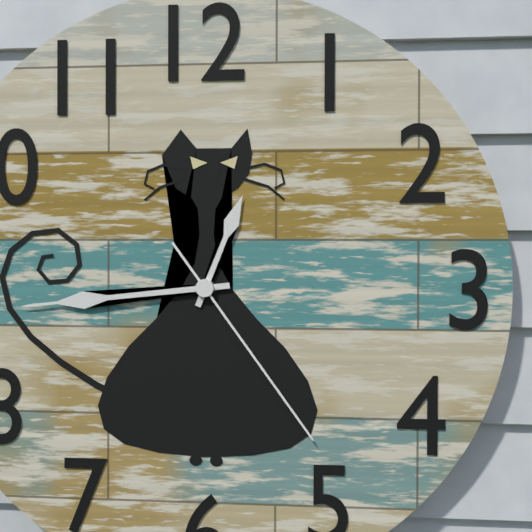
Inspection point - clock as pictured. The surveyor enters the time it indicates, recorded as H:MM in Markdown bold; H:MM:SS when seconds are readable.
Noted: **12:44:24**
